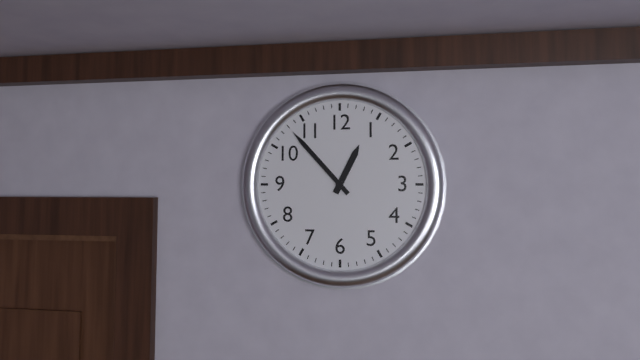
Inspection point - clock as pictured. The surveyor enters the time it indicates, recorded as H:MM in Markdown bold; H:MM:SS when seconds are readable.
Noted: **12:53**
